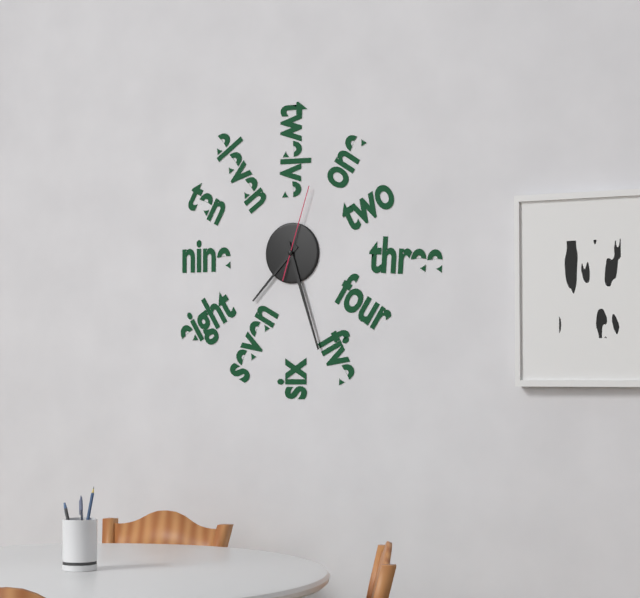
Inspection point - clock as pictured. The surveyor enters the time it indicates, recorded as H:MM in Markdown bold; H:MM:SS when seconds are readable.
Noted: **7:27:03**
